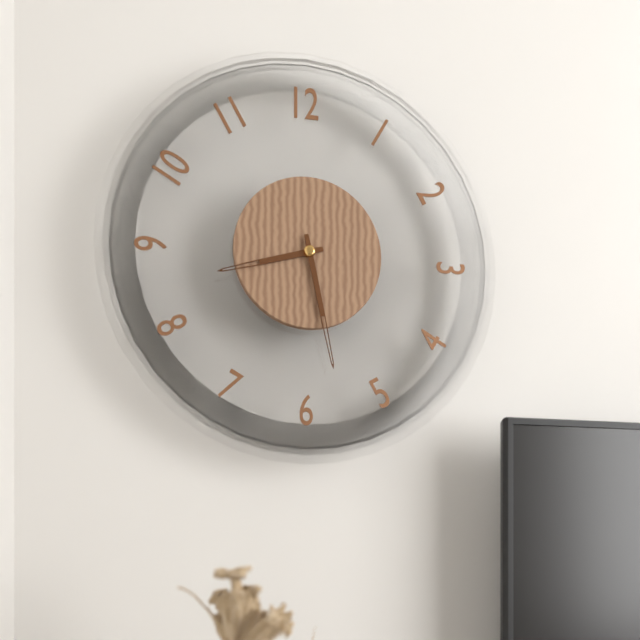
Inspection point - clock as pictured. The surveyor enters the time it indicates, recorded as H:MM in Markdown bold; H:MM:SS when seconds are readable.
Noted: **8:28**
